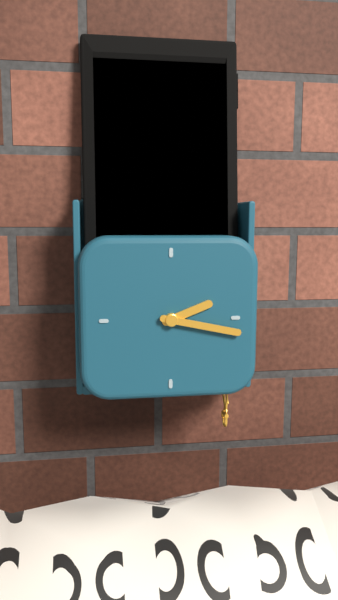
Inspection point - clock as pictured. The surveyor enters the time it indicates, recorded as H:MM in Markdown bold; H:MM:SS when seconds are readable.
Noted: **2:17**
